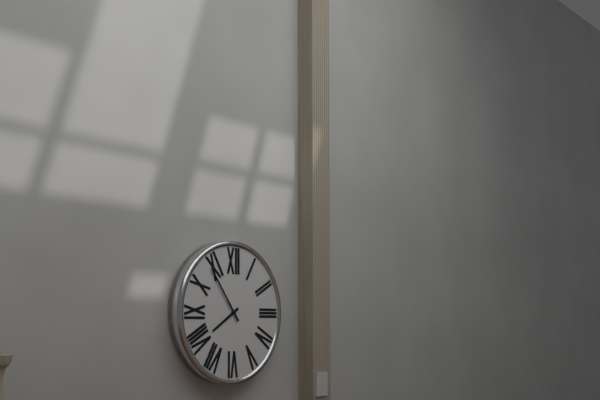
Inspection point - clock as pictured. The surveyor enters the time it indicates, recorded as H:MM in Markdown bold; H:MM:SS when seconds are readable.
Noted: **7:54**
